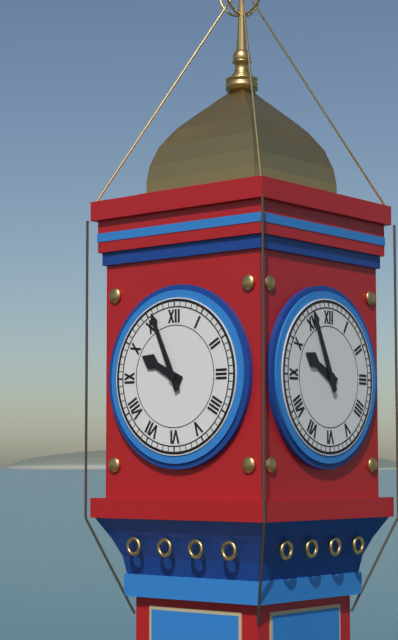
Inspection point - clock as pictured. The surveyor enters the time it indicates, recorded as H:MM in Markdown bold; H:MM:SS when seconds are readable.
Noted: **9:56**
